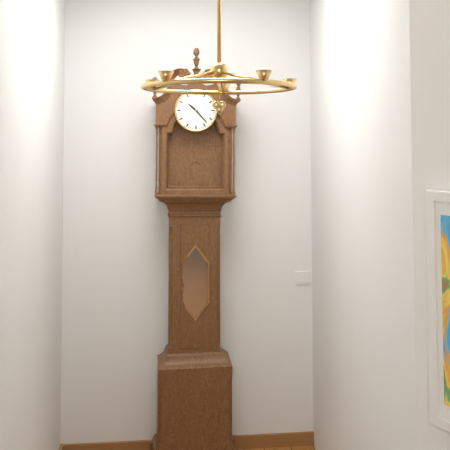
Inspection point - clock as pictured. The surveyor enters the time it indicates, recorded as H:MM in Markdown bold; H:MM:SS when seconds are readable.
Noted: **10:23**
